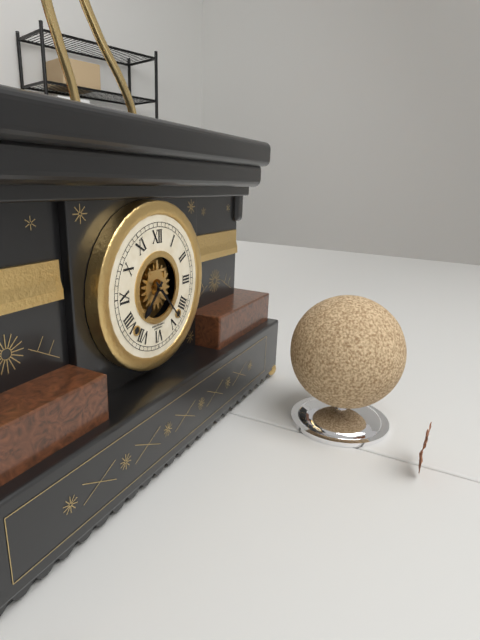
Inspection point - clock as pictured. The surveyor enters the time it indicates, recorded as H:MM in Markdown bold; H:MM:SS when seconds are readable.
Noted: **7:23**
